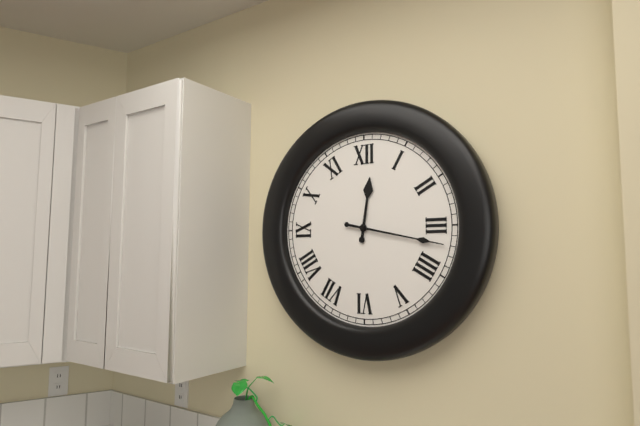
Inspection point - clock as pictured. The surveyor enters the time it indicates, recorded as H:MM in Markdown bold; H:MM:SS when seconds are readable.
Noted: **12:17**
